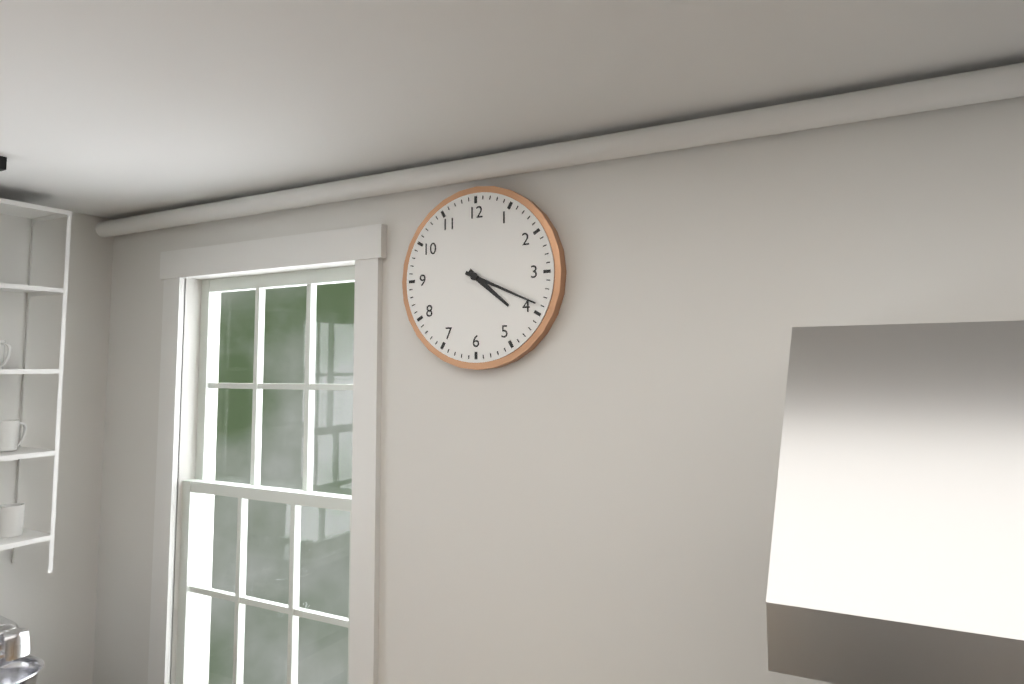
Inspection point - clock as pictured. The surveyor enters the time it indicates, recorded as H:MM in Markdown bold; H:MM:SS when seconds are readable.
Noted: **4:19**
